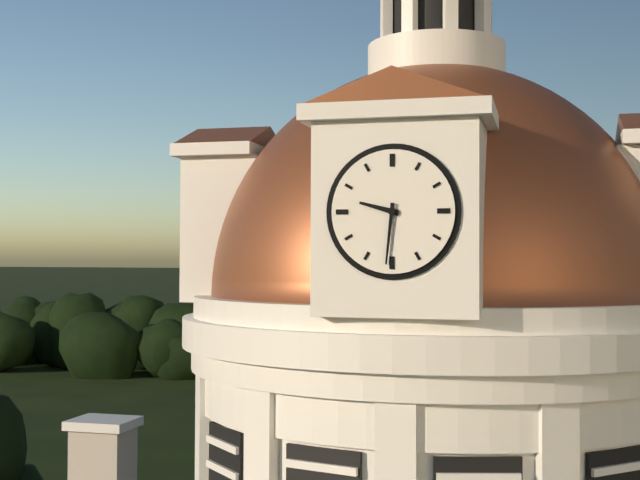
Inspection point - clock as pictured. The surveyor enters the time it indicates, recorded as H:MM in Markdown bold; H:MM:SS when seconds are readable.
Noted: **9:31**
